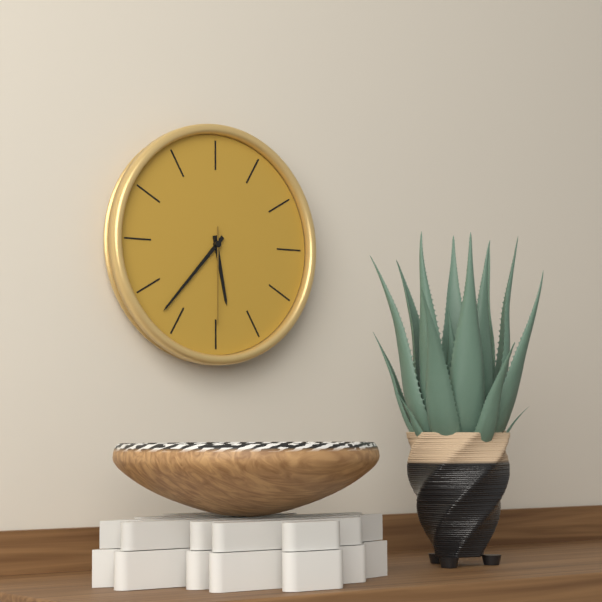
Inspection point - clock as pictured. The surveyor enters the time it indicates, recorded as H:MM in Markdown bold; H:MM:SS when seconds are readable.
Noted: **5:37:30**
